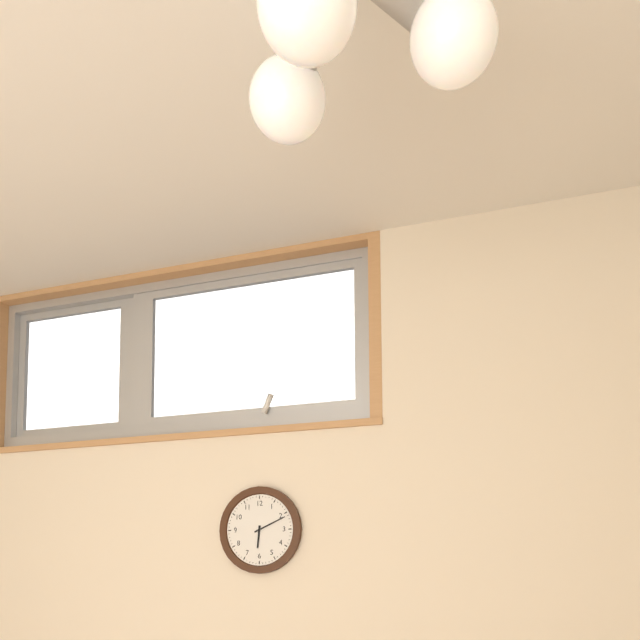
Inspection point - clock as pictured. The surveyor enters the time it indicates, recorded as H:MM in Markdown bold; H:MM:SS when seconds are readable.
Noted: **6:11**
